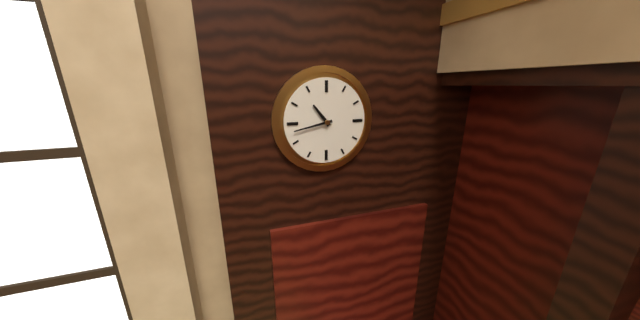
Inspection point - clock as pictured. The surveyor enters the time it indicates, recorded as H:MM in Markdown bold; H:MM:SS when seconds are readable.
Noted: **10:43**
